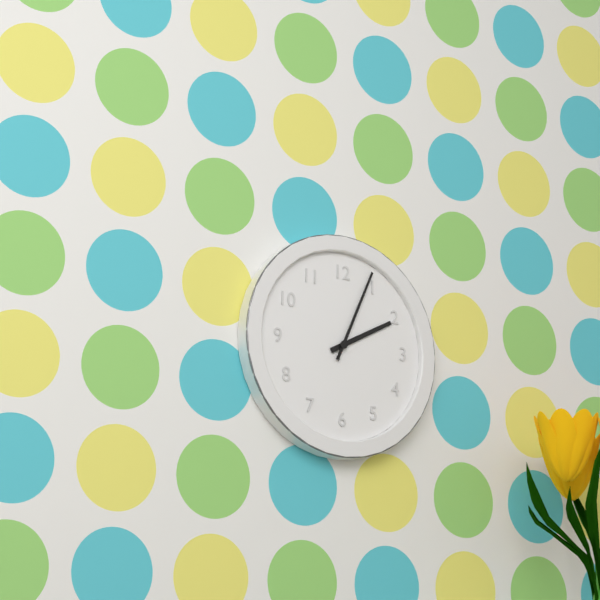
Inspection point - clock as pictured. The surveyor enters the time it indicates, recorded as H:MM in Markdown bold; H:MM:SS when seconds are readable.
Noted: **2:04**
